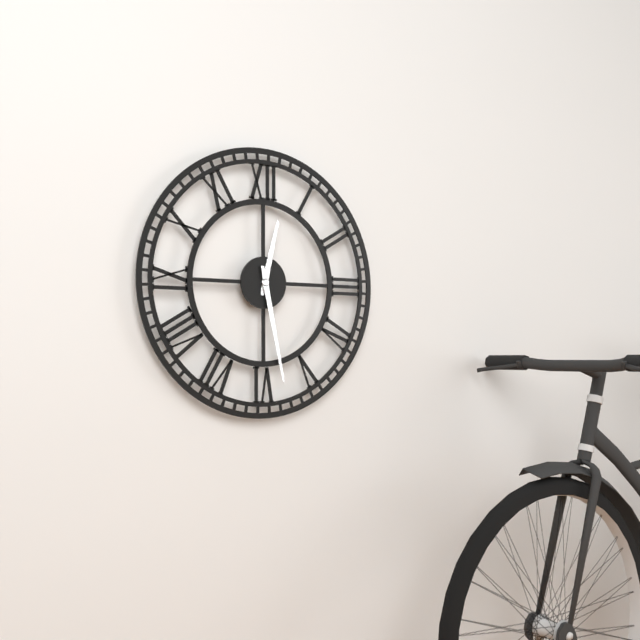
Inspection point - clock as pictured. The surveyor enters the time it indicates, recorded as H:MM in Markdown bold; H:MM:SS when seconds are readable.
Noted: **12:28**
